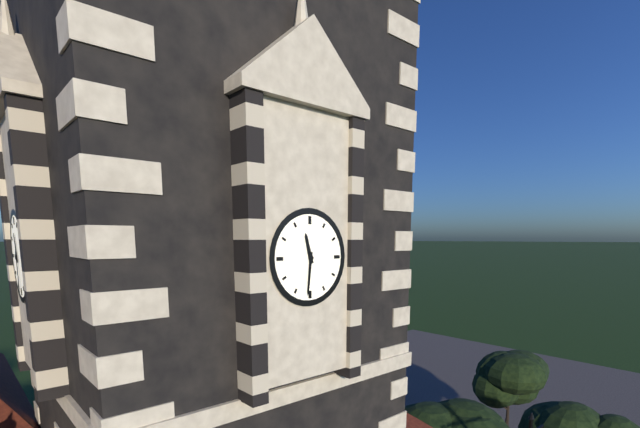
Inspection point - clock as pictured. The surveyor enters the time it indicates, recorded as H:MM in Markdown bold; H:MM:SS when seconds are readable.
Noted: **11:31**
